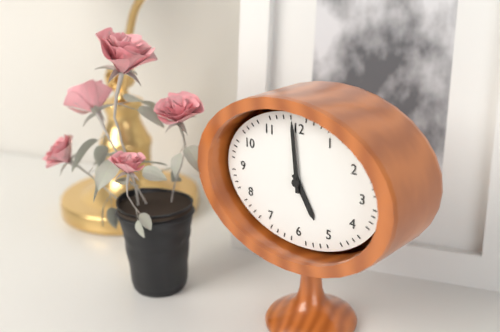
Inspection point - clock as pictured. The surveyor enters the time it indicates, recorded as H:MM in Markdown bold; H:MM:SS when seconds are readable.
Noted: **4:59**
